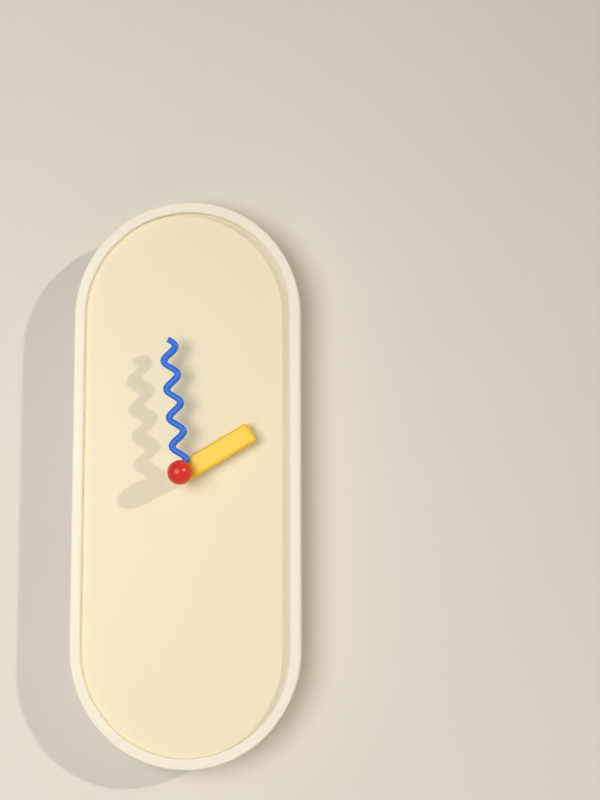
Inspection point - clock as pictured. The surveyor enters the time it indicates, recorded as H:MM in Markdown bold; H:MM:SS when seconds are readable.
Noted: **1:59**
